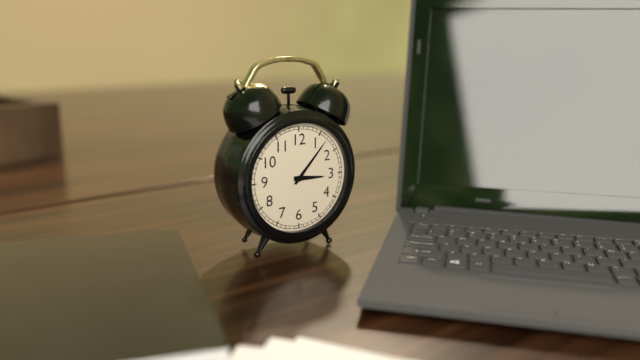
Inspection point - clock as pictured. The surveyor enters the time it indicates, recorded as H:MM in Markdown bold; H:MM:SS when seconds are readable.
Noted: **3:07**
